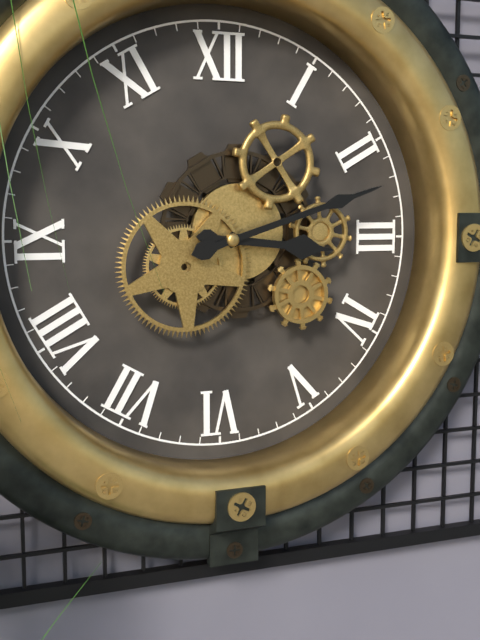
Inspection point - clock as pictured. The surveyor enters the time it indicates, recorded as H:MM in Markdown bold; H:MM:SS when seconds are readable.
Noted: **3:12**
